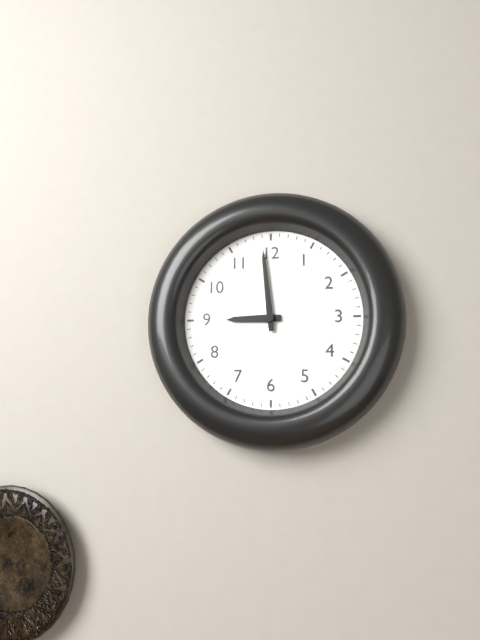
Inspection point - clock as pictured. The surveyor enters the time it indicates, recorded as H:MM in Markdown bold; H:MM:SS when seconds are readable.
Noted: **8:59**
